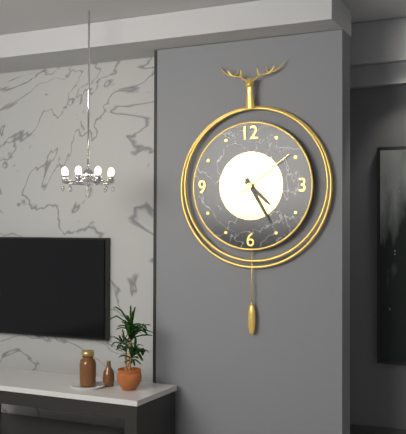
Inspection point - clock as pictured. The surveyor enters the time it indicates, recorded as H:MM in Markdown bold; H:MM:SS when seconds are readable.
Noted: **4:25:09**
